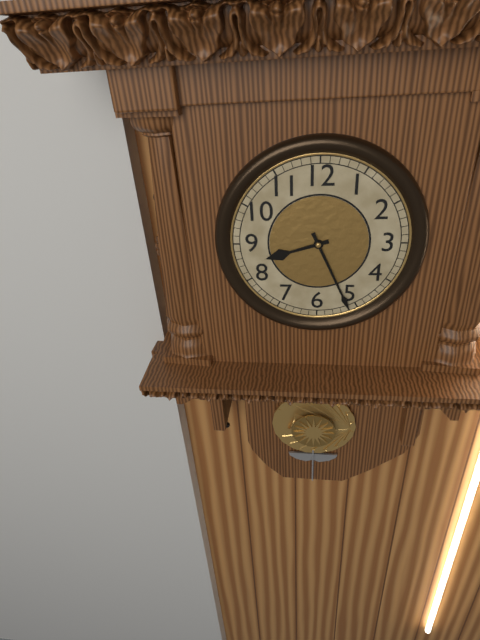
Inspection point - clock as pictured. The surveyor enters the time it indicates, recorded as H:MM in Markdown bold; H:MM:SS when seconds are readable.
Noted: **8:26**
